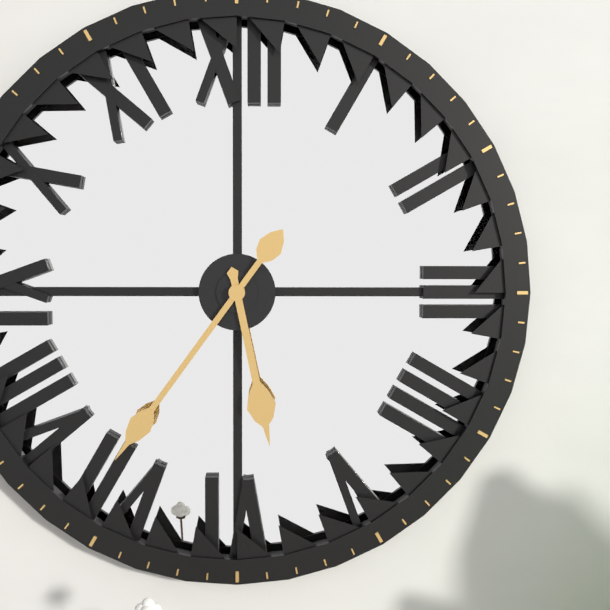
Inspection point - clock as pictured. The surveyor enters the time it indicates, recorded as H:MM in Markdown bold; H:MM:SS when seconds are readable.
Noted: **5:36**
